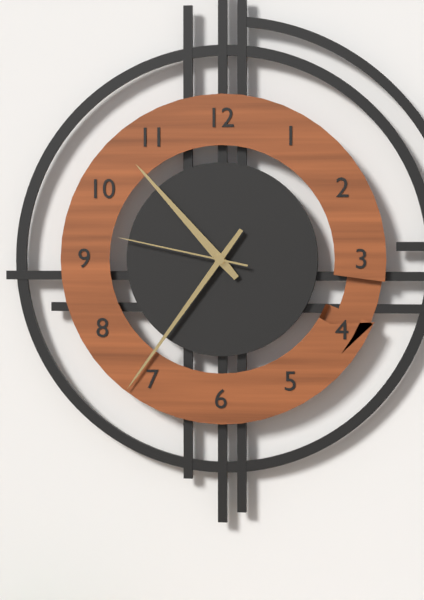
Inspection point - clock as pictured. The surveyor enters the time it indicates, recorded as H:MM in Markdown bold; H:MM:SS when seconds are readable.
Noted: **10:36:47**
